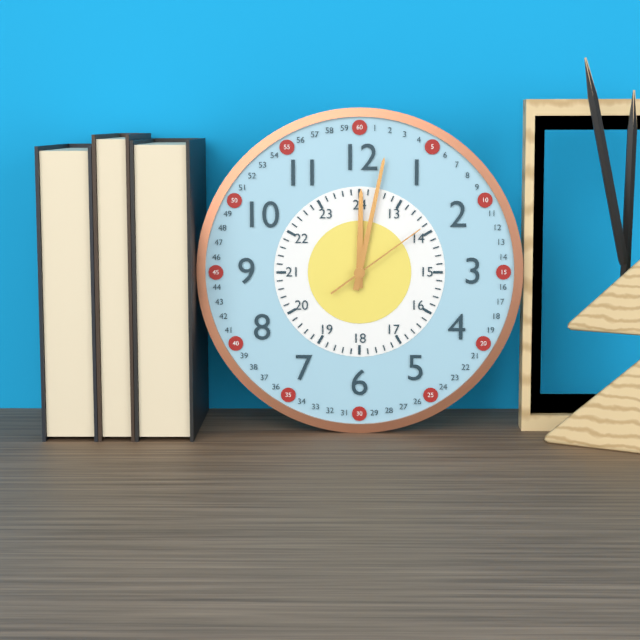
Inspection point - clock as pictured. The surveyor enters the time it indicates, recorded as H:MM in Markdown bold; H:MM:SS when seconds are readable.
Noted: **12:02:09**
